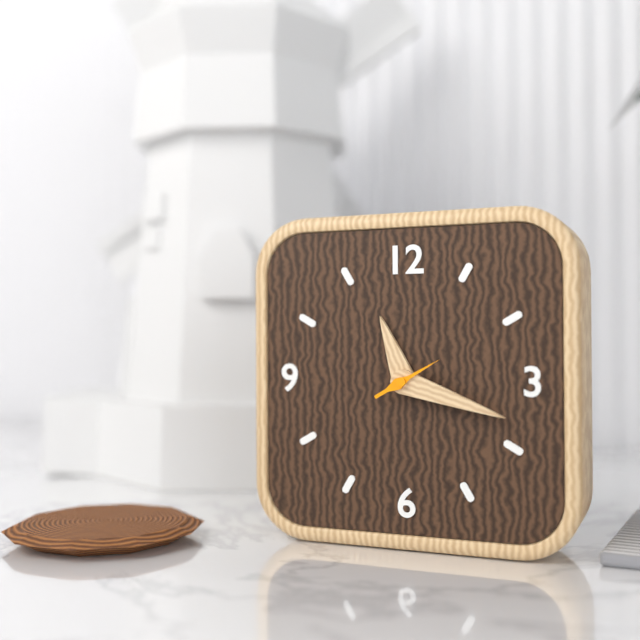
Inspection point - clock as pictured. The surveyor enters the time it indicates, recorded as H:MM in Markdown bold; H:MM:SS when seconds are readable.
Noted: **11:18:10**
